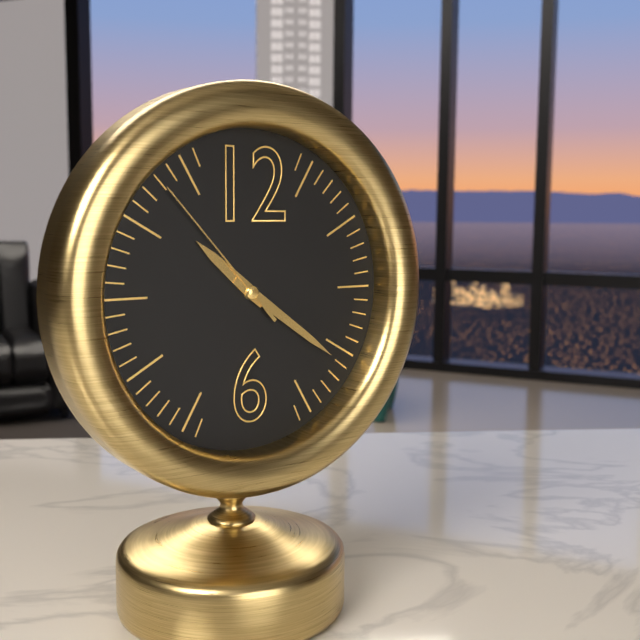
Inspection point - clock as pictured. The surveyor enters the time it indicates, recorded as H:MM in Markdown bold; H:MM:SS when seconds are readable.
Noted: **10:21:53**
